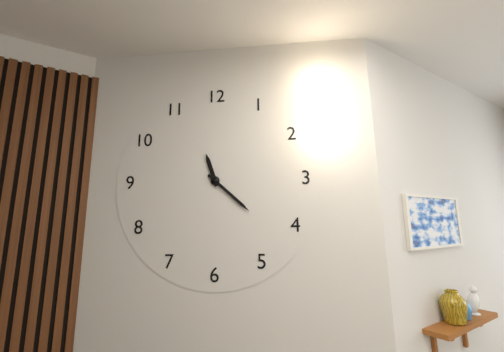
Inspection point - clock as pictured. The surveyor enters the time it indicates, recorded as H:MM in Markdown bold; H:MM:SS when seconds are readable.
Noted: **11:22**
